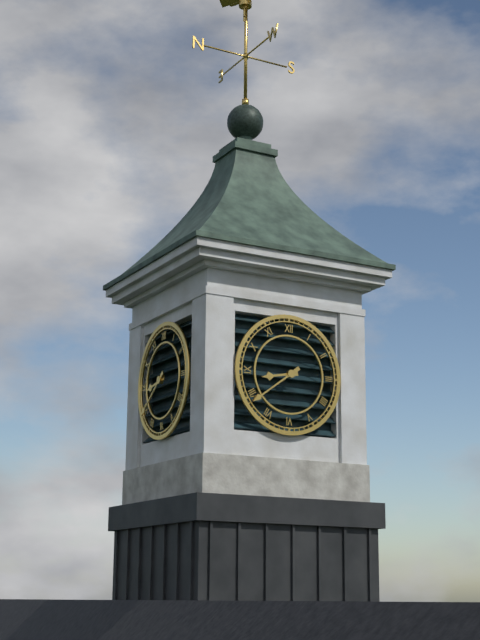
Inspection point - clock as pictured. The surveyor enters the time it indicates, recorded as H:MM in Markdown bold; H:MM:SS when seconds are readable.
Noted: **8:39**
